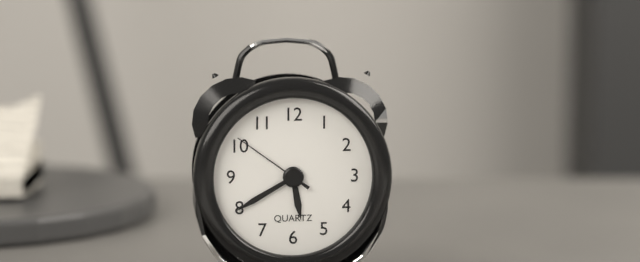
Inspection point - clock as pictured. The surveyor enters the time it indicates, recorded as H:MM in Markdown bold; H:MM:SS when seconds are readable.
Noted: **5:40:51**
